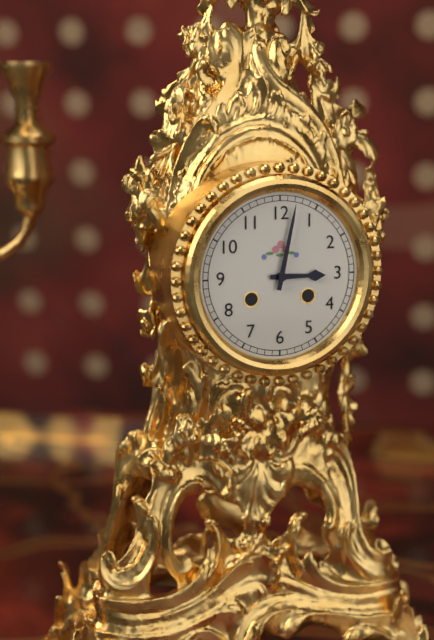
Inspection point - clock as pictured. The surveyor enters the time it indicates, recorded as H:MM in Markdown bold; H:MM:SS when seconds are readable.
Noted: **3:02**
